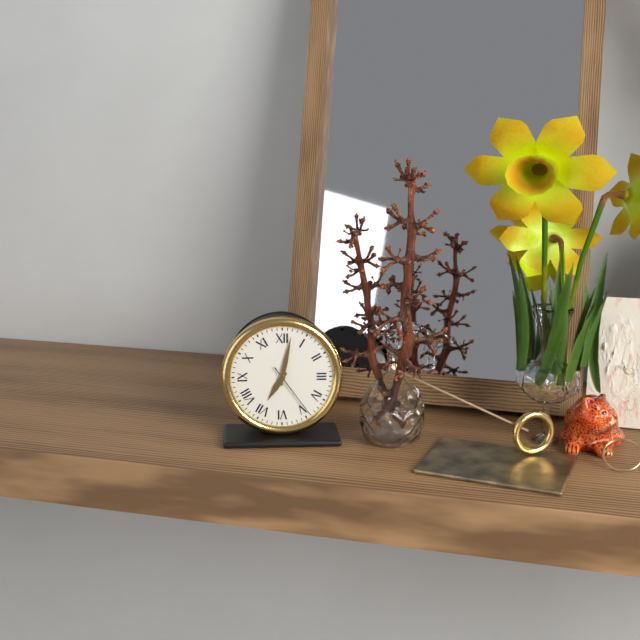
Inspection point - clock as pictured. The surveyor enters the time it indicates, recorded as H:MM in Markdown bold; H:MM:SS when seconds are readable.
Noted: **7:02:24**
